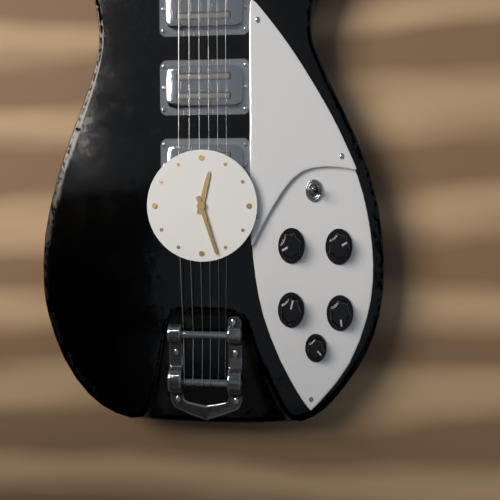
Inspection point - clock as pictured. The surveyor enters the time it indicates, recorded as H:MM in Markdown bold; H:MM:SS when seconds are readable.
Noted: **12:27**
